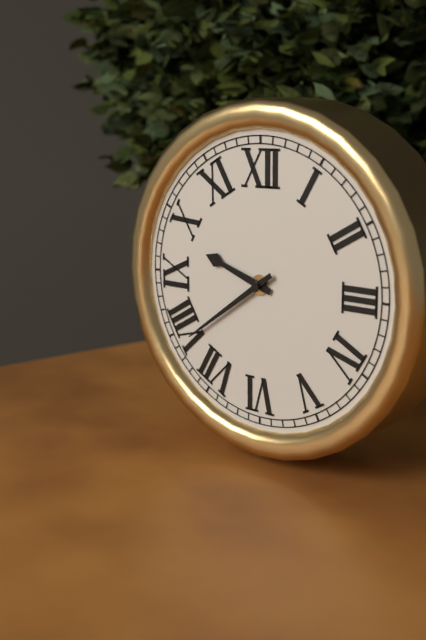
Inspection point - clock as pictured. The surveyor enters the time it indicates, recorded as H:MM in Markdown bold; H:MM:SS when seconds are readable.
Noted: **9:39**
